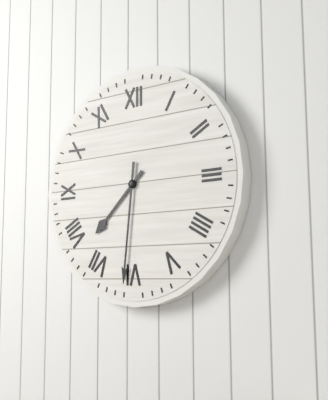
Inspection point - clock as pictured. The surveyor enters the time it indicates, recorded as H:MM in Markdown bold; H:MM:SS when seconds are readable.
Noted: **7:31**
